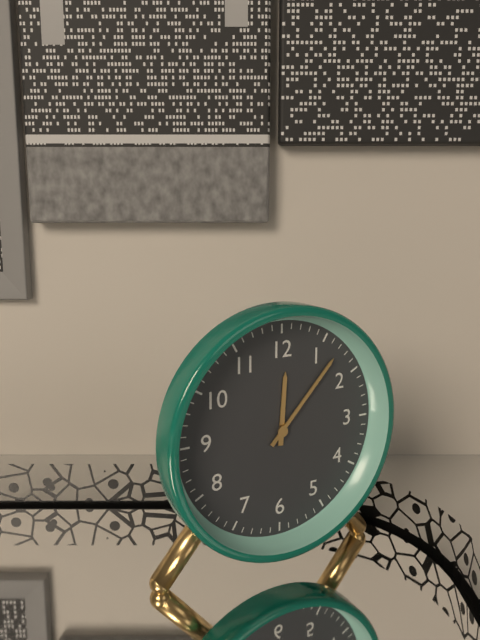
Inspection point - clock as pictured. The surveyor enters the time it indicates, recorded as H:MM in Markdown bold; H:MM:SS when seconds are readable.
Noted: **12:07**
